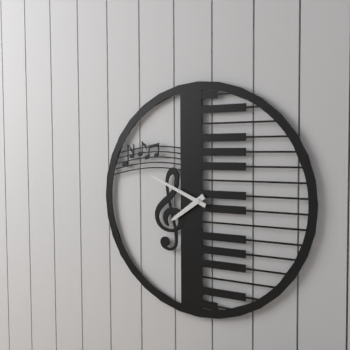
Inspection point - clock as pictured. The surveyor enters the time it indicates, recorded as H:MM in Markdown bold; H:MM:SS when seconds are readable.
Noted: **7:49**
